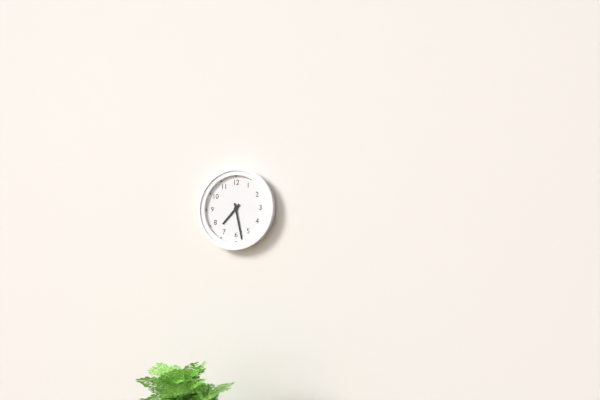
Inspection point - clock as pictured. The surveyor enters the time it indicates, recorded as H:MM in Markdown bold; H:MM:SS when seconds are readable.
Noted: **7:28**
